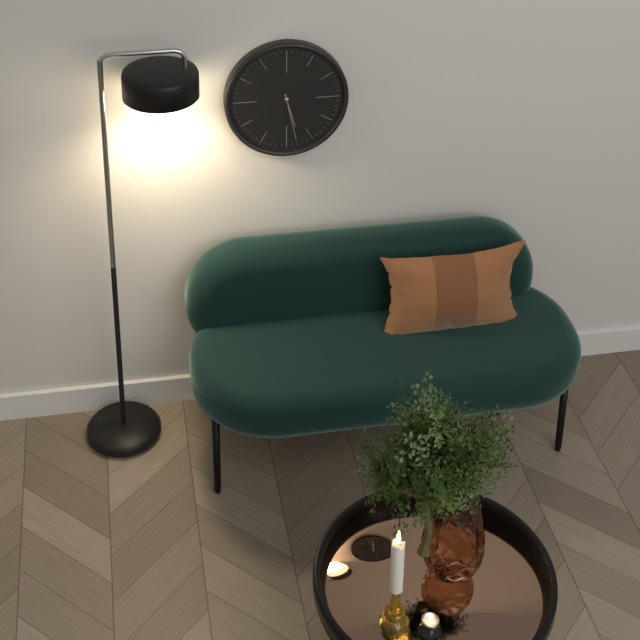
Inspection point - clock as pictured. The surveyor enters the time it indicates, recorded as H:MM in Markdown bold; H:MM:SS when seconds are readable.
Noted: **5:28**
